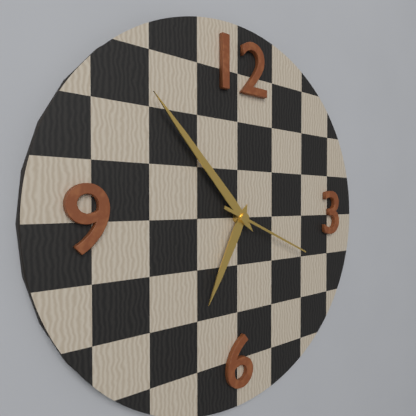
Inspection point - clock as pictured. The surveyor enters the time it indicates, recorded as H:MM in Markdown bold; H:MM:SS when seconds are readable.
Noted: **6:53:19**
